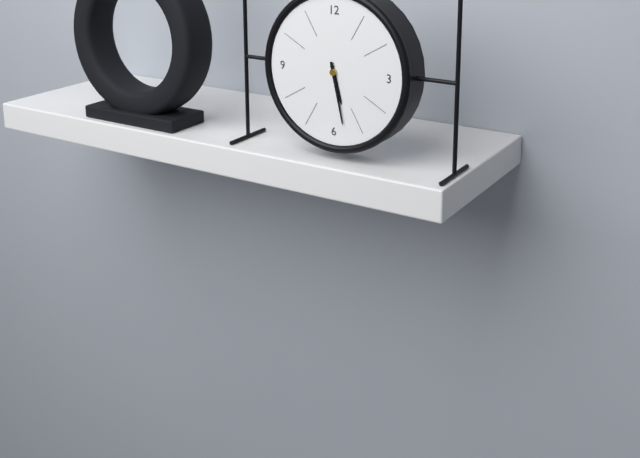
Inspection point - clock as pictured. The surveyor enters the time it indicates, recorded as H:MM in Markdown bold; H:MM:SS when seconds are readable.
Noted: **5:28**
